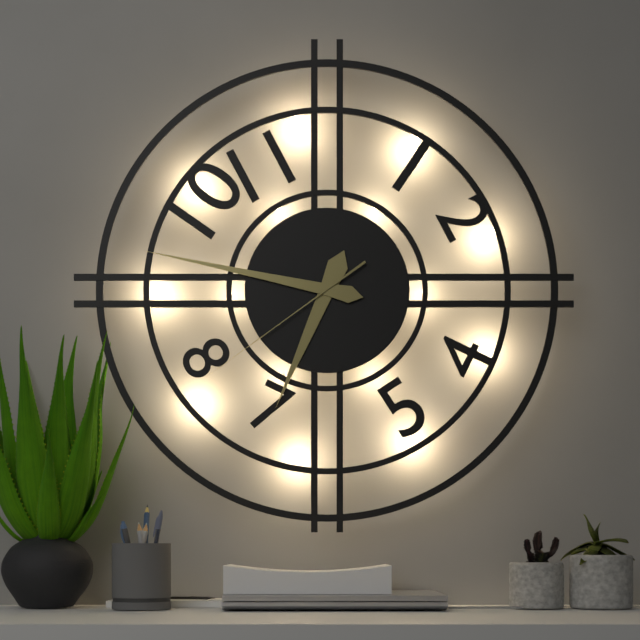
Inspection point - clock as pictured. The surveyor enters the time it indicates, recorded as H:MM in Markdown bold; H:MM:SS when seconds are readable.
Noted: **6:47:39**
